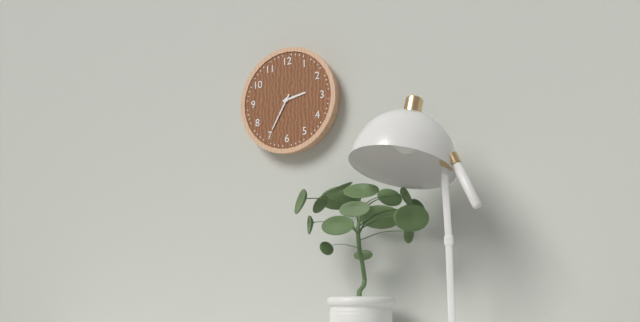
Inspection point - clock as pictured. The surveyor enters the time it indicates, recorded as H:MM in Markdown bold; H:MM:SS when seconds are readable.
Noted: **2:35**
